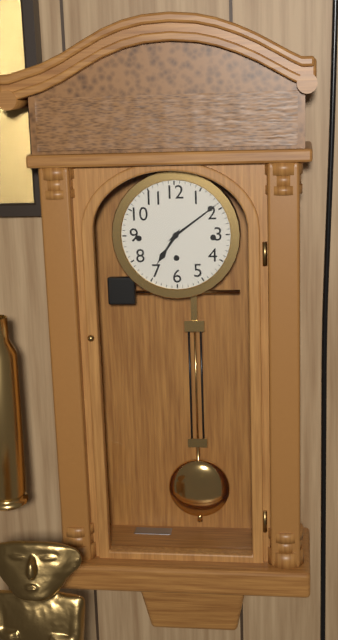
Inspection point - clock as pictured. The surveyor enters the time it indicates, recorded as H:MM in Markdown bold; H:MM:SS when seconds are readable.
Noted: **7:09**
